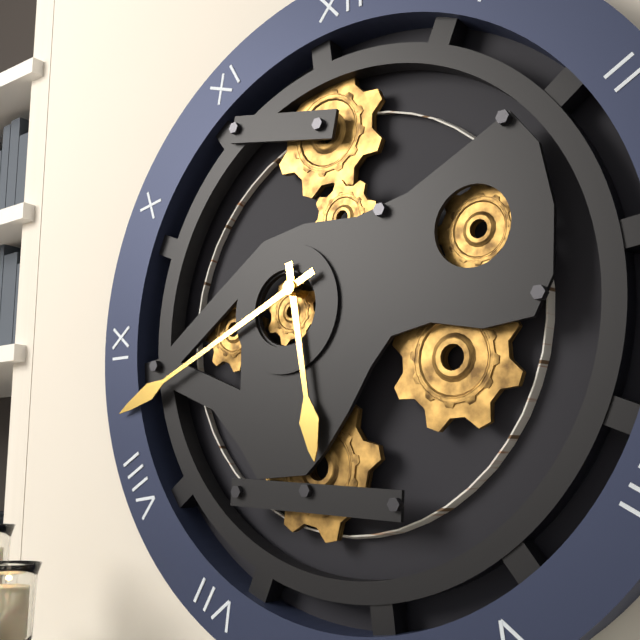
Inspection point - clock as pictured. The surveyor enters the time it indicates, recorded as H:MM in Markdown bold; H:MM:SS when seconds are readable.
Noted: **5:41**
